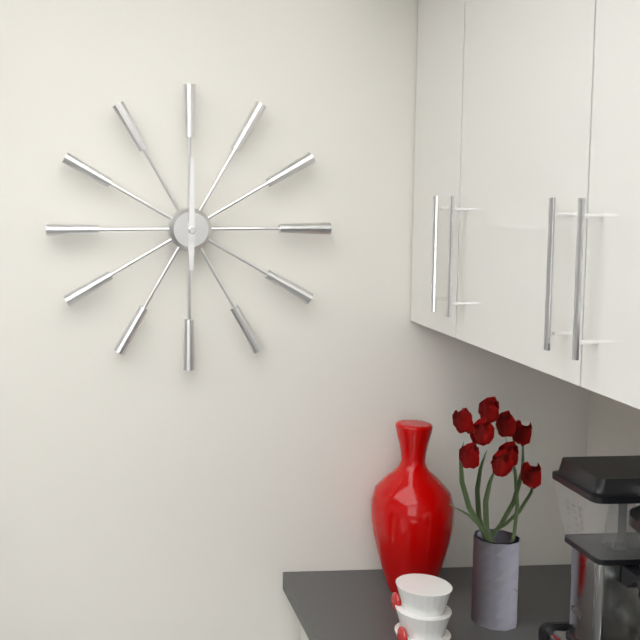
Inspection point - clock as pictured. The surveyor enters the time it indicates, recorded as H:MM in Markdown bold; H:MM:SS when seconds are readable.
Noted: **6:00**
